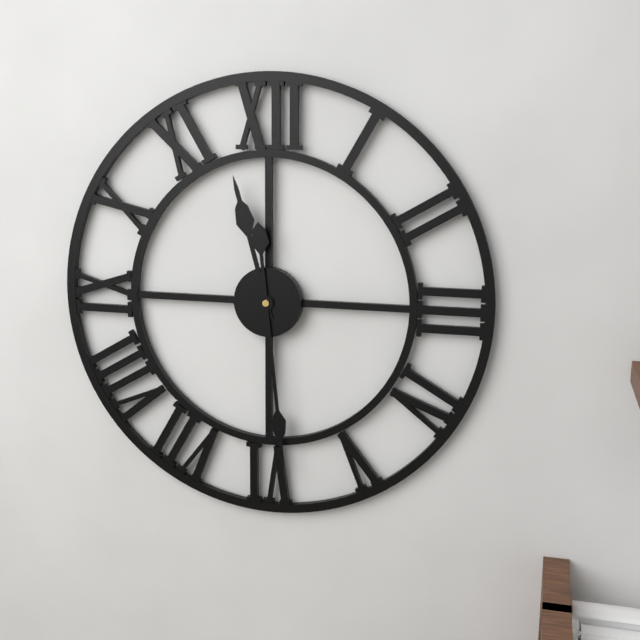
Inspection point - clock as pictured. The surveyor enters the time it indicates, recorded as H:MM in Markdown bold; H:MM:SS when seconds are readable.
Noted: **11:29**
